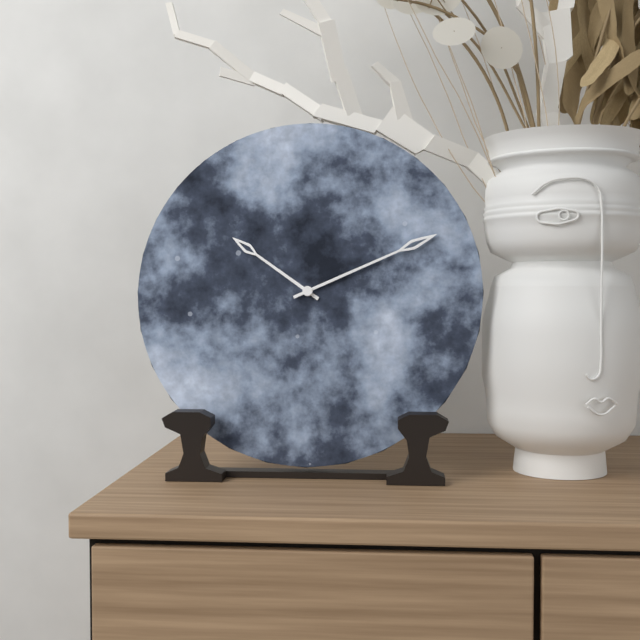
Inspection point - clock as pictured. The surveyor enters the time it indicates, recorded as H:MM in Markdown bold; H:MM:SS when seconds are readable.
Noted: **10:11**
